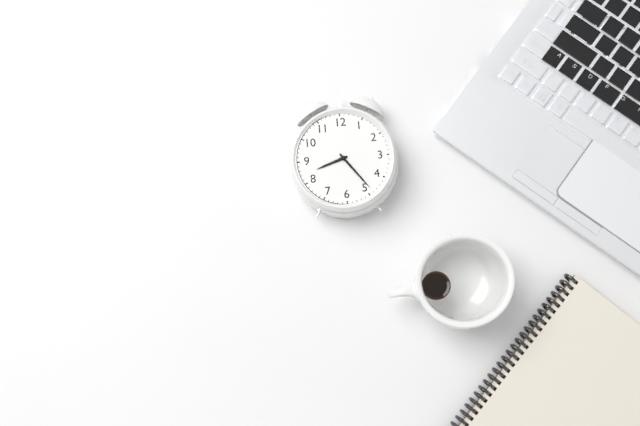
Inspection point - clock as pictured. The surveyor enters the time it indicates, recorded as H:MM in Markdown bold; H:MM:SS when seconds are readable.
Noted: **8:24**
